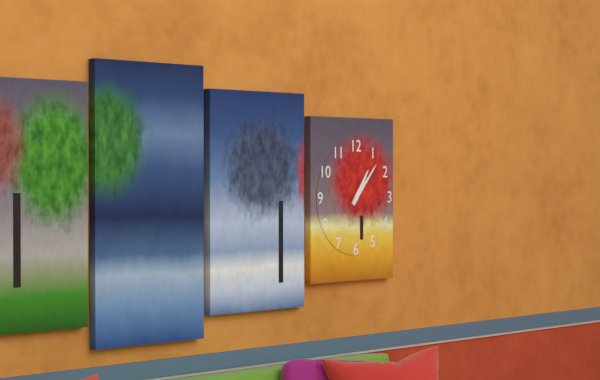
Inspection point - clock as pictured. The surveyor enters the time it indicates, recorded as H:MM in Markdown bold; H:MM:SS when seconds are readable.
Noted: **1:07**
